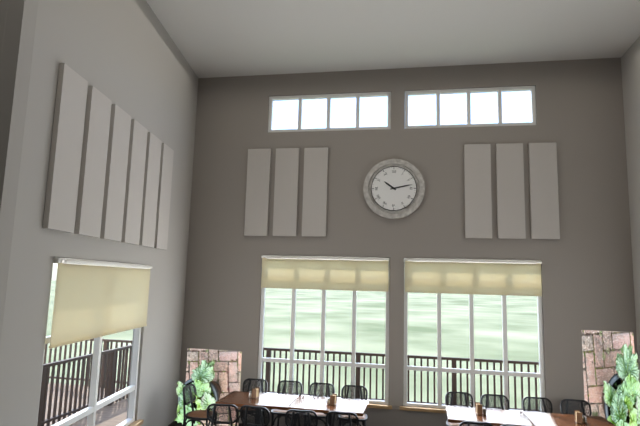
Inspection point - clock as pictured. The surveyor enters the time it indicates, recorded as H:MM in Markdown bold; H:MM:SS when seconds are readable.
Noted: **10:13**
